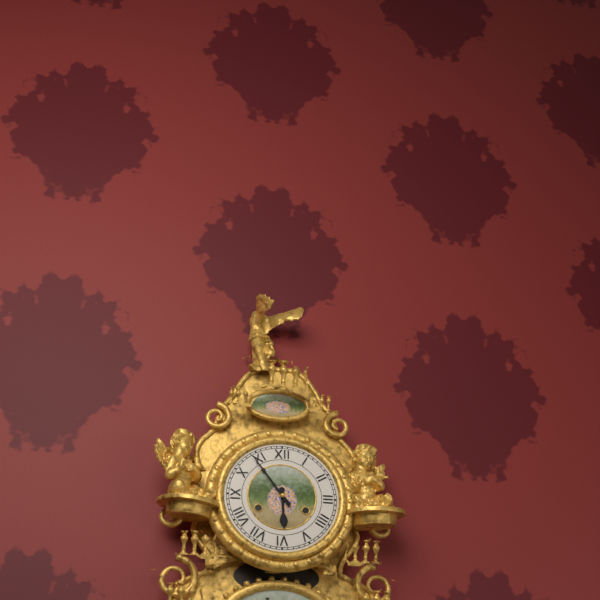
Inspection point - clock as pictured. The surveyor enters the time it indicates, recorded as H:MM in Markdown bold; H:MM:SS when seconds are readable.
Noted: **5:54**
